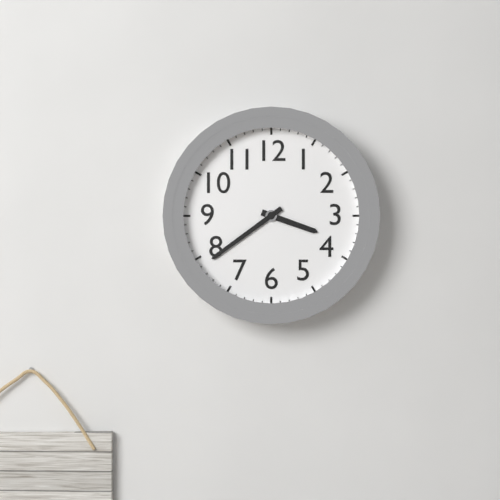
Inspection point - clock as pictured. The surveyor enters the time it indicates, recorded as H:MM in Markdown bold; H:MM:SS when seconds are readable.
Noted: **3:39**
